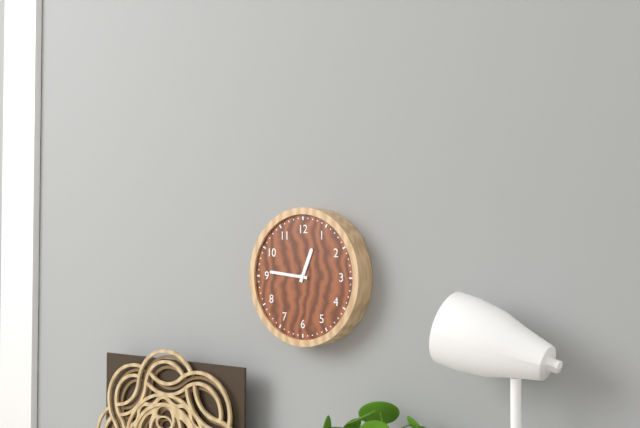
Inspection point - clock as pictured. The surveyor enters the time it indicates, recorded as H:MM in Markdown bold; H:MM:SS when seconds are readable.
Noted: **12:46**
